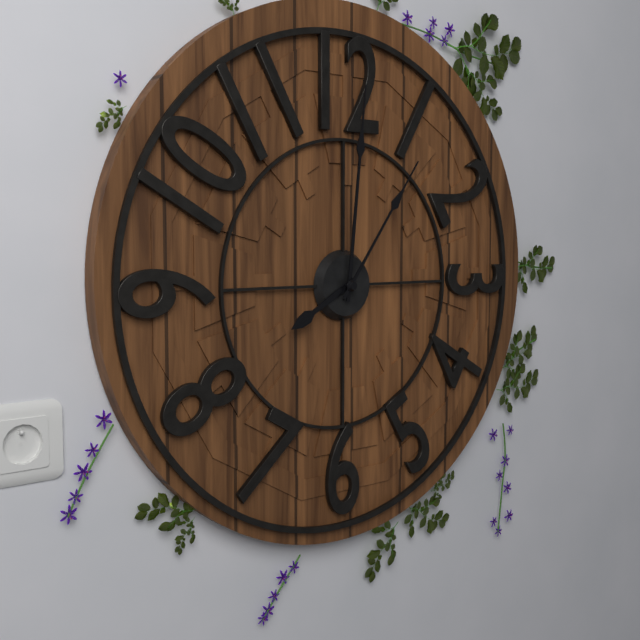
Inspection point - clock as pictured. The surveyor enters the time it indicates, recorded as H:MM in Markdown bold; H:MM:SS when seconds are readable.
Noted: **8:01:06**
